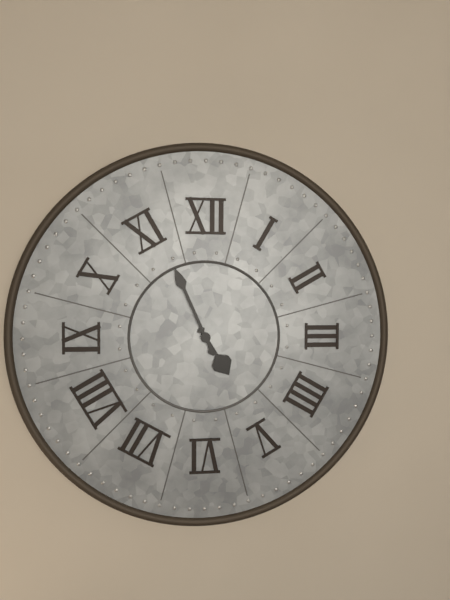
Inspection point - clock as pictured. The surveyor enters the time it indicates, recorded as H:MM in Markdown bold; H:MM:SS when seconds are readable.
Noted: **4:56**
